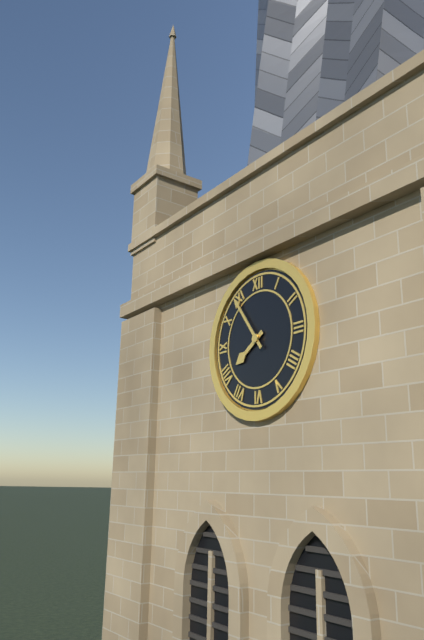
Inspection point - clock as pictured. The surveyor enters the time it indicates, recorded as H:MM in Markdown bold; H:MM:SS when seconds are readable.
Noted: **7:54**
